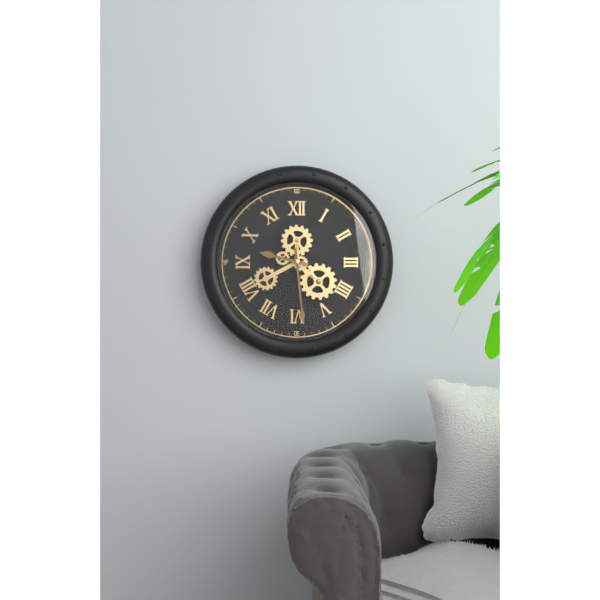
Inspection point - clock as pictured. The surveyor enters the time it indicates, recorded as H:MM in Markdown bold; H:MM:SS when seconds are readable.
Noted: **9:29**
